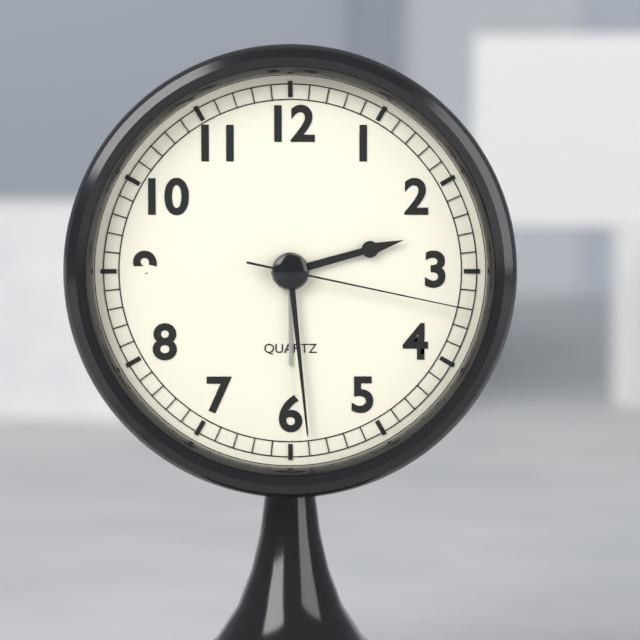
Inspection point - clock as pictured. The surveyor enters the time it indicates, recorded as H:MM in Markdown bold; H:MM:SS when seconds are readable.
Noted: **2:29:17**
